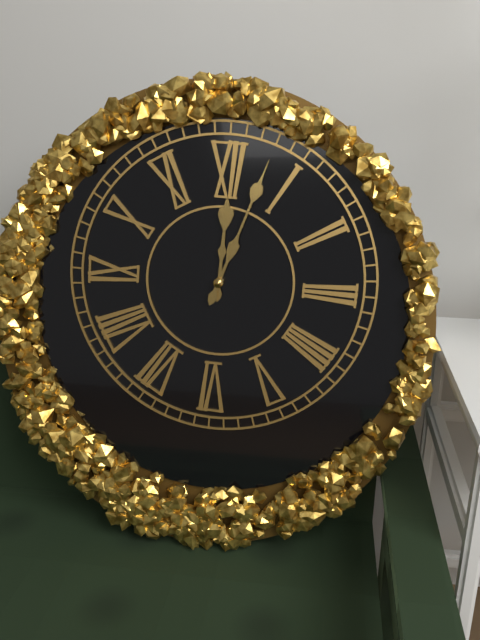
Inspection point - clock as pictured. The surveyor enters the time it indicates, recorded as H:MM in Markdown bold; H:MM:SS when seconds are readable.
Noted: **12:03**
